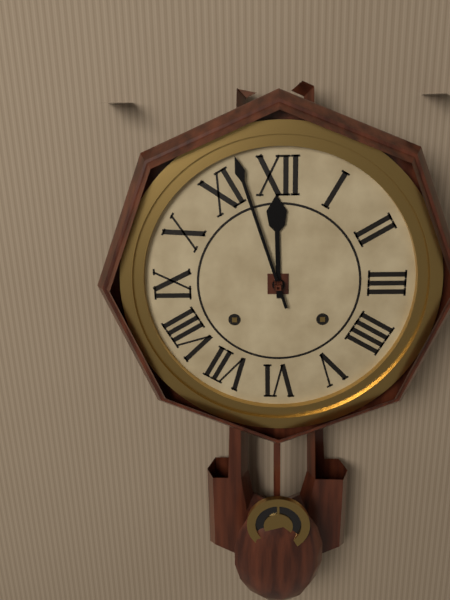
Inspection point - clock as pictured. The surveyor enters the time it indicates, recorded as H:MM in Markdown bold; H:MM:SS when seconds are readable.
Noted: **11:57**
